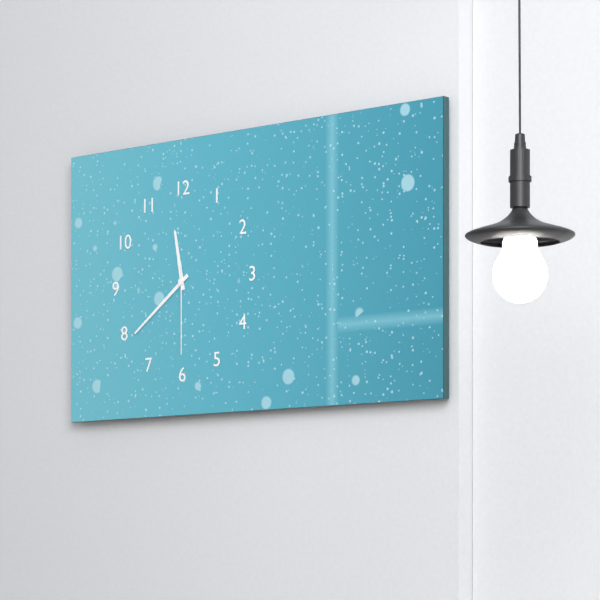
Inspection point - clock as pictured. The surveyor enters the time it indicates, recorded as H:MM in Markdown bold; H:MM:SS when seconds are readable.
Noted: **11:39:30**
